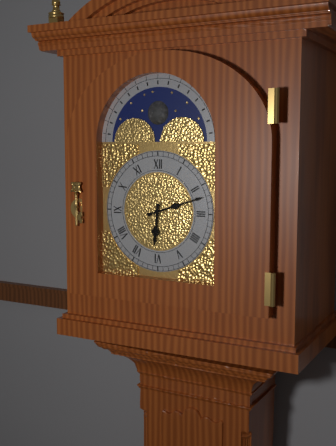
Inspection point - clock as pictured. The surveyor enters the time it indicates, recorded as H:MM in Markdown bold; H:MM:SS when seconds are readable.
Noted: **6:12**
